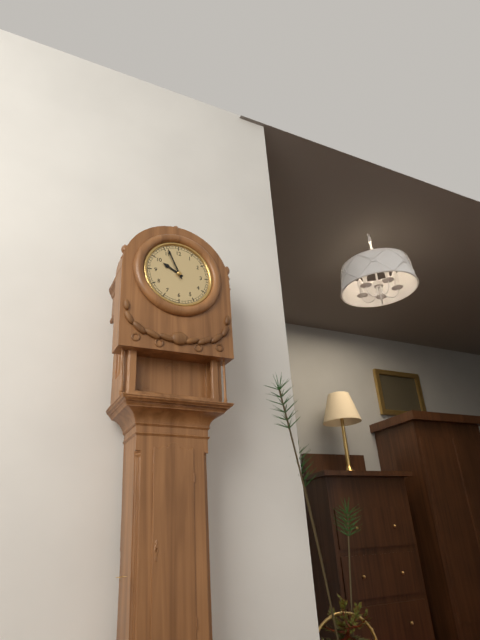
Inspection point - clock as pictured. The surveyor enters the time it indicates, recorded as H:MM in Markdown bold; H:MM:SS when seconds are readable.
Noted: **9:56**
